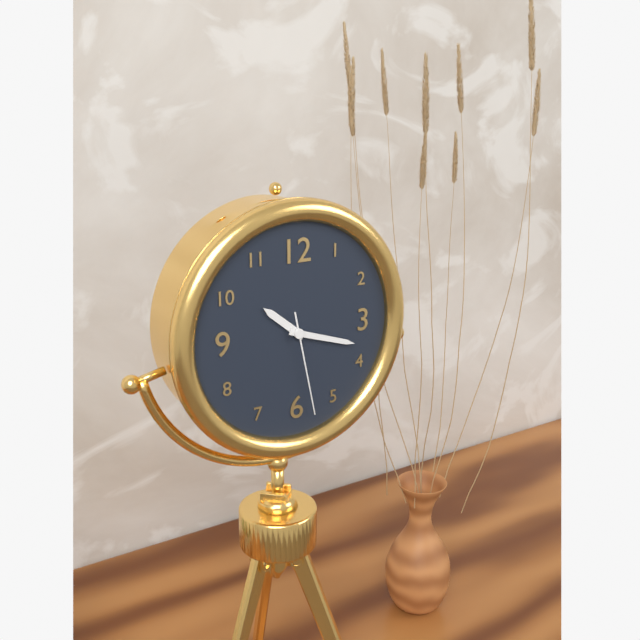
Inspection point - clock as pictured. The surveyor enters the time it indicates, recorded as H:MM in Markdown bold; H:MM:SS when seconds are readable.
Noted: **10:18:28**
